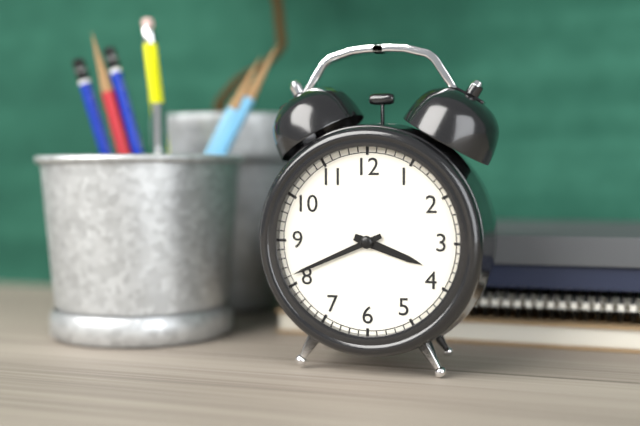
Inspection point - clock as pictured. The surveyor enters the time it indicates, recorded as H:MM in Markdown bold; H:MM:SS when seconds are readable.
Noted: **3:41**
